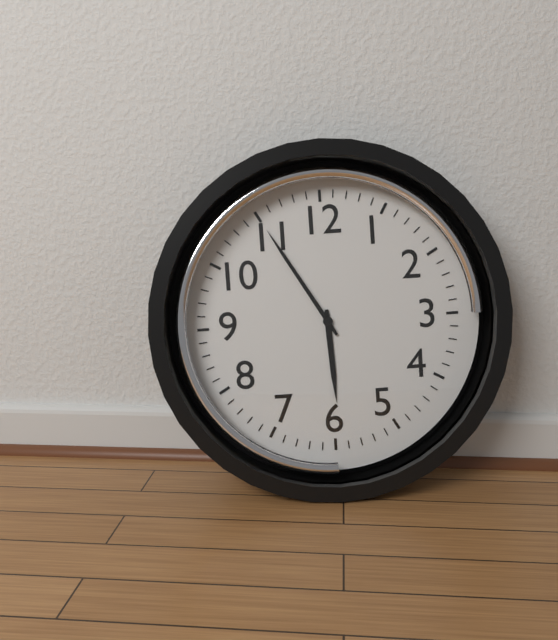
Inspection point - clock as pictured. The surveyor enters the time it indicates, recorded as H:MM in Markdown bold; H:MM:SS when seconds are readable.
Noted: **5:55**
